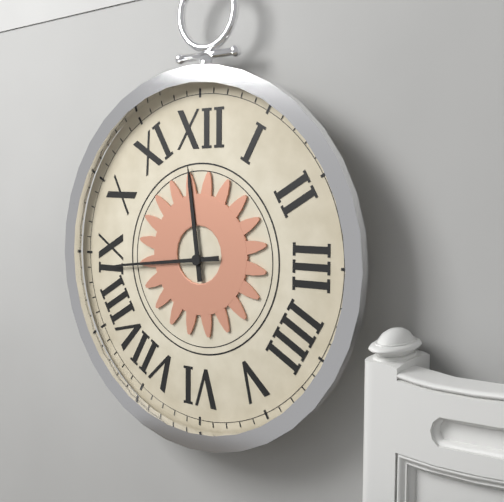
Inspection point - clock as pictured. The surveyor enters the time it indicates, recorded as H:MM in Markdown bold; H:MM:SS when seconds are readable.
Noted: **11:44**
